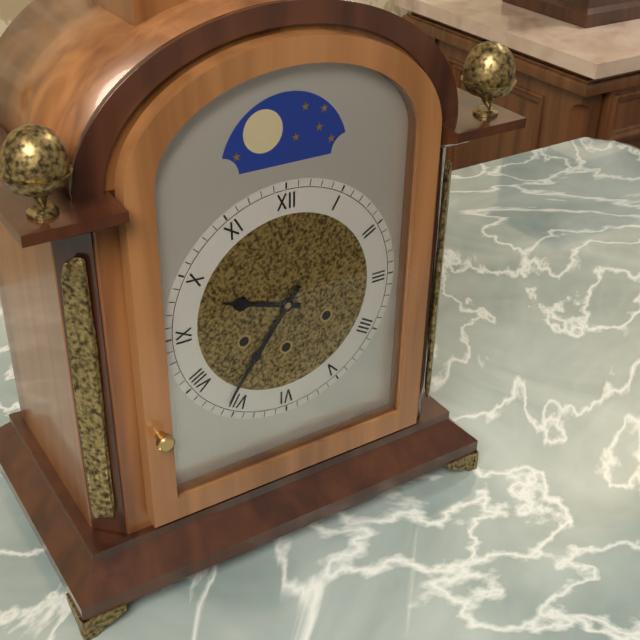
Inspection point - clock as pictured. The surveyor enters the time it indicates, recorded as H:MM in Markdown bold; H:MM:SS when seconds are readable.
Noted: **9:36**
